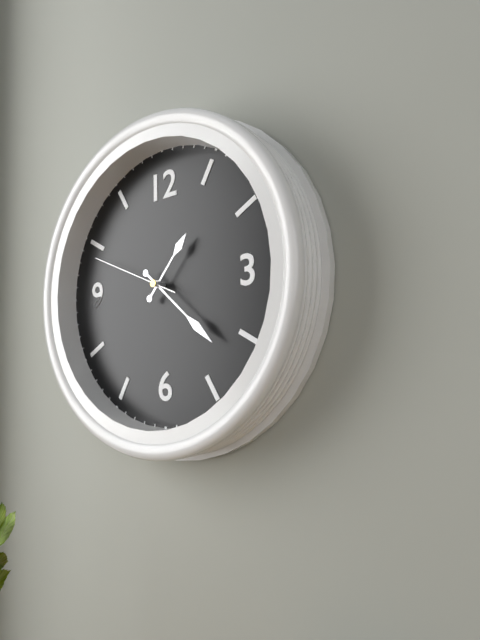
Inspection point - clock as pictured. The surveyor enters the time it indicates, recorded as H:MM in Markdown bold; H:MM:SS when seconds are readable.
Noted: **1:22:49**
